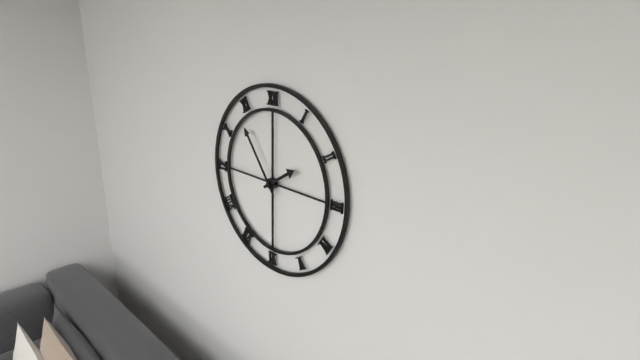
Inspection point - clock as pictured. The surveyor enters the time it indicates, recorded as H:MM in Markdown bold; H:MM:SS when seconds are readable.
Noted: **1:54**
